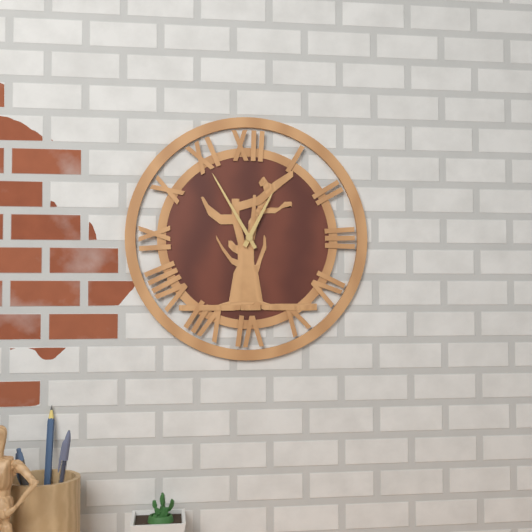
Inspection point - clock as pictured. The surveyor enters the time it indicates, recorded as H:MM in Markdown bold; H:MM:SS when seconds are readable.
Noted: **12:55**
